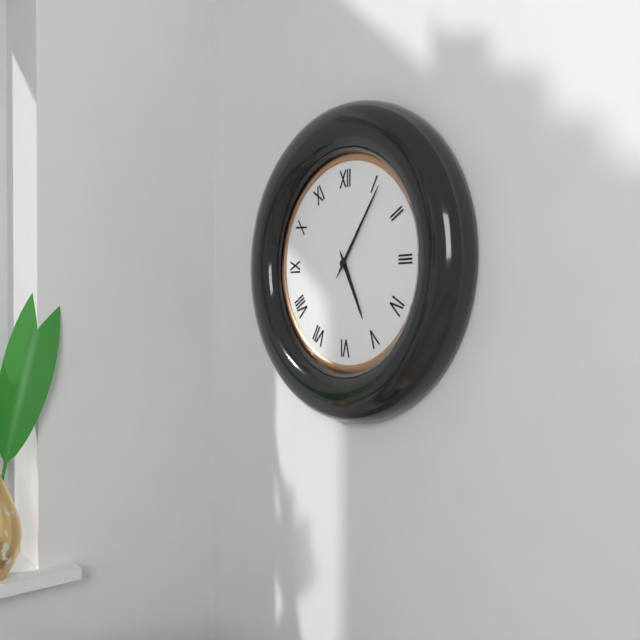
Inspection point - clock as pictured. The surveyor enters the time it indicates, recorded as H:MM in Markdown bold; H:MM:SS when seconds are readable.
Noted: **5:06**
